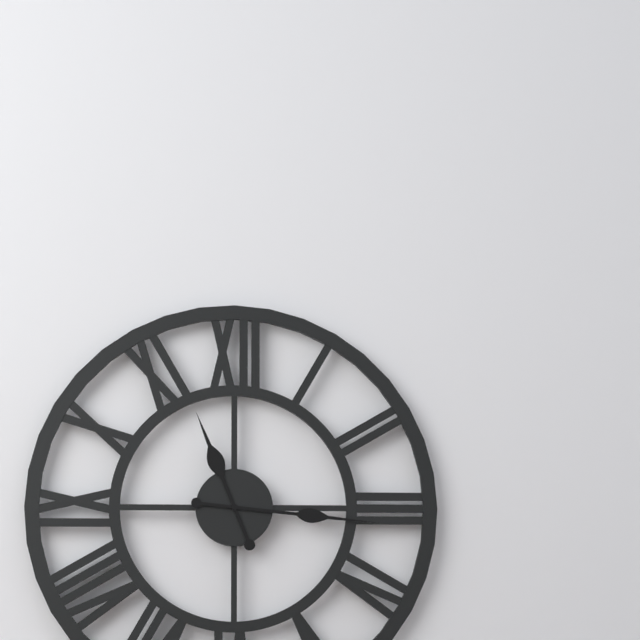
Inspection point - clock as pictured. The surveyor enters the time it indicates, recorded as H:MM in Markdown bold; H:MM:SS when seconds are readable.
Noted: **11:16**
